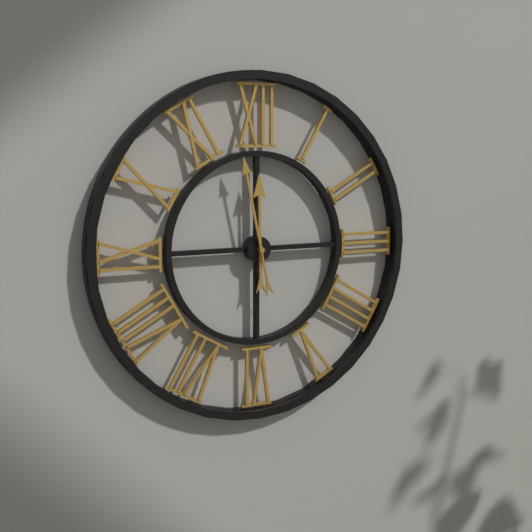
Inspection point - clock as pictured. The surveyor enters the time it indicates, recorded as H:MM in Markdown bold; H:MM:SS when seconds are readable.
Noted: **11:58**
